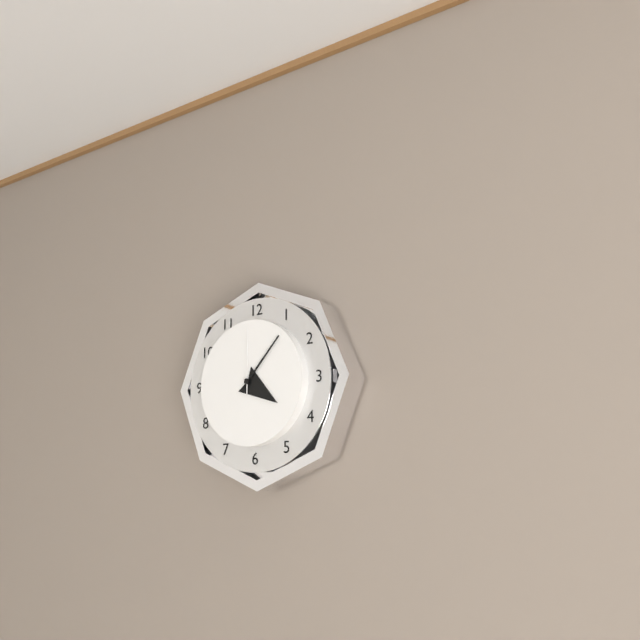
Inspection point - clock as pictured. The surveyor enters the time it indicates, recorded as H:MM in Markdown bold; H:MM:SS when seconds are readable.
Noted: **4:07:00**
